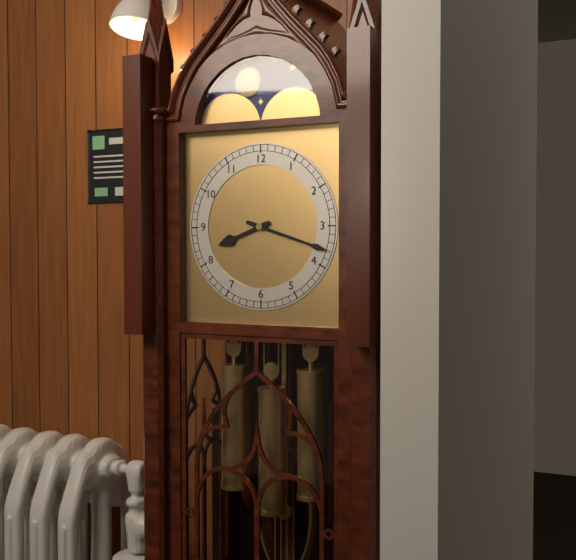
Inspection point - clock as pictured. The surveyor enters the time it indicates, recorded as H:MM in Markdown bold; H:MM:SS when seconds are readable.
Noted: **8:18**
